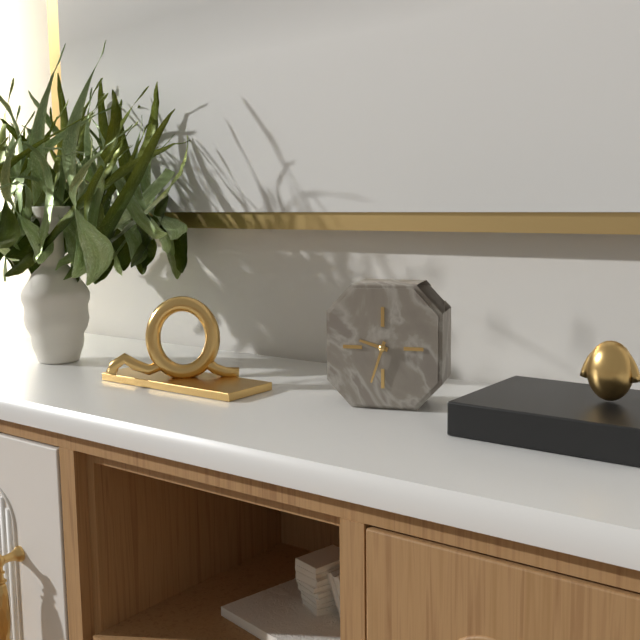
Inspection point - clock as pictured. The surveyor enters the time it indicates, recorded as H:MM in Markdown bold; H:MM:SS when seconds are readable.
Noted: **9:33**
